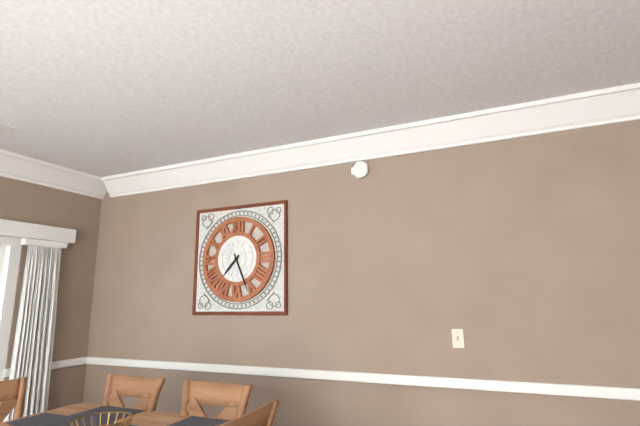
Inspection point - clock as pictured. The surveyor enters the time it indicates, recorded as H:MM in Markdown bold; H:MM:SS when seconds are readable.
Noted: **7:26**
